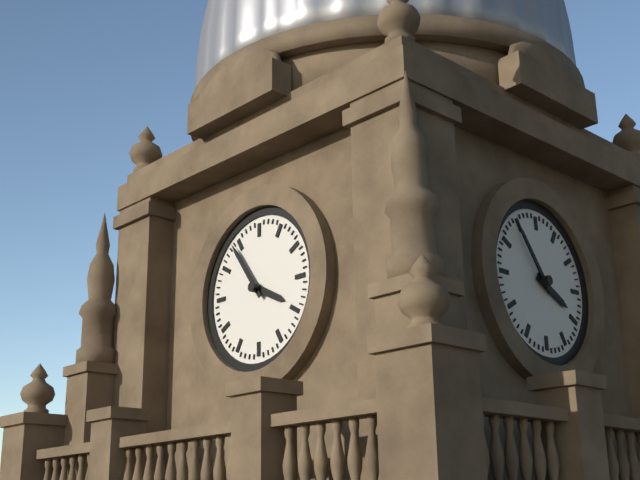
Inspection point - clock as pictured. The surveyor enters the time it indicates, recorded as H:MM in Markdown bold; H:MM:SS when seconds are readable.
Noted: **3:54**
